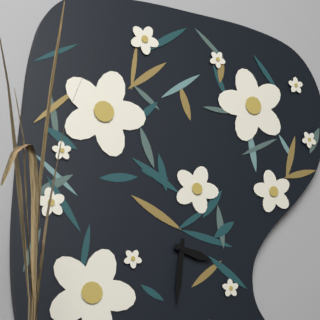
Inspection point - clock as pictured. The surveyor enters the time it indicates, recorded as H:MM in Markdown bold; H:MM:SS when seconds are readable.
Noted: **3:31**
